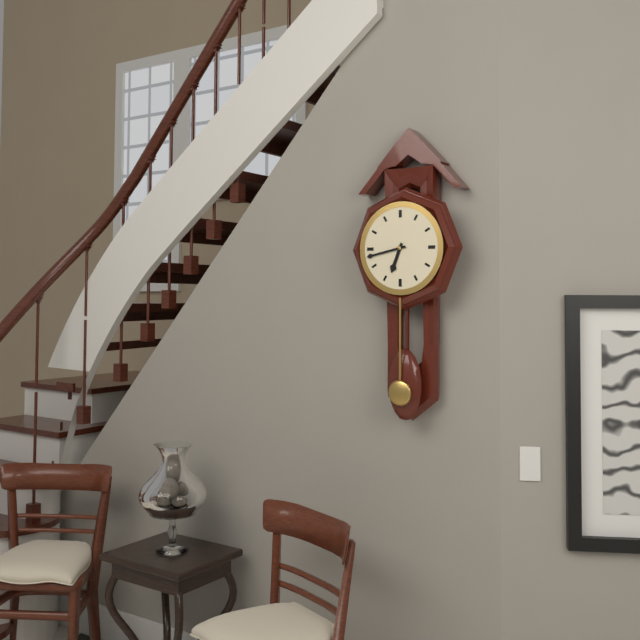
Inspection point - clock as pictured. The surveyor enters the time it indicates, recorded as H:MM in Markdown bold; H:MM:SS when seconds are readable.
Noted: **6:43**
